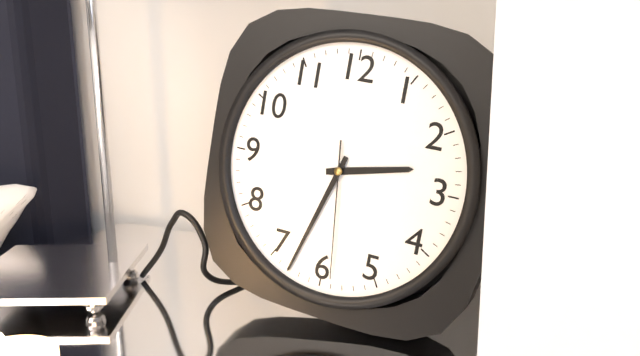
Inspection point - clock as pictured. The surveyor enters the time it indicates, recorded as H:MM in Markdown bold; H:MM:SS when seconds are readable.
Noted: **2:33:29**
